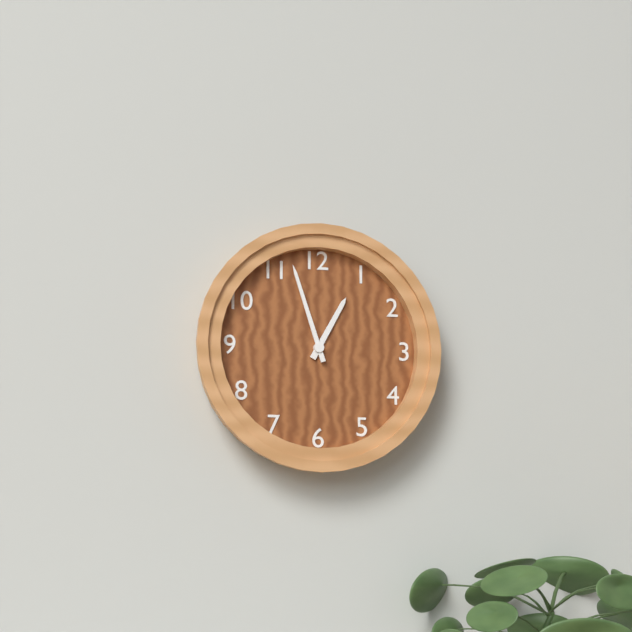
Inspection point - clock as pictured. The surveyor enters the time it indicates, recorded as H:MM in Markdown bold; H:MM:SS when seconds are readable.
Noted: **12:57**
